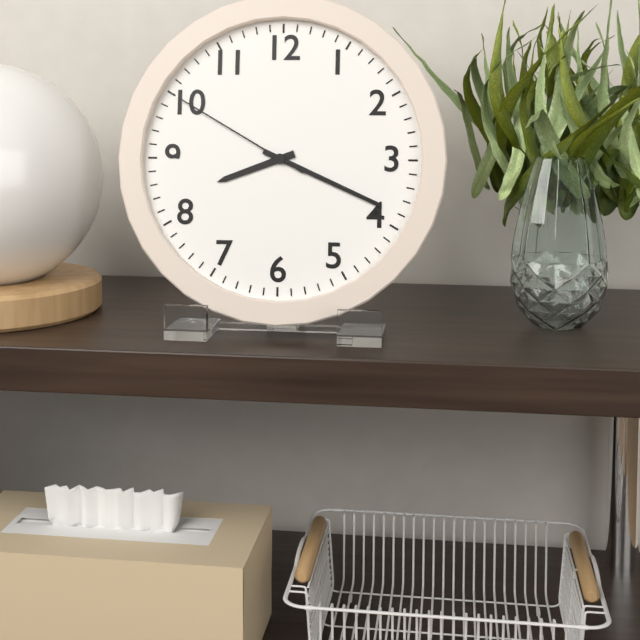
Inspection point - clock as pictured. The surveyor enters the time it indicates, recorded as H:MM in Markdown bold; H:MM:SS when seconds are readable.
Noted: **8:19:50**
